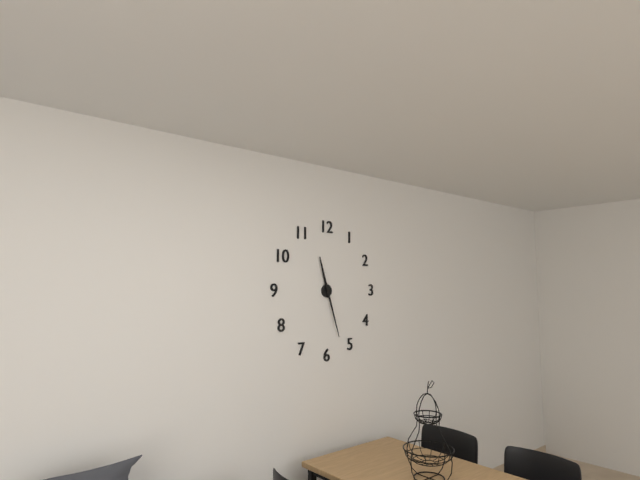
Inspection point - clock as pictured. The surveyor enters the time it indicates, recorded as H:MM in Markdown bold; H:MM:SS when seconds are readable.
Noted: **11:27**
